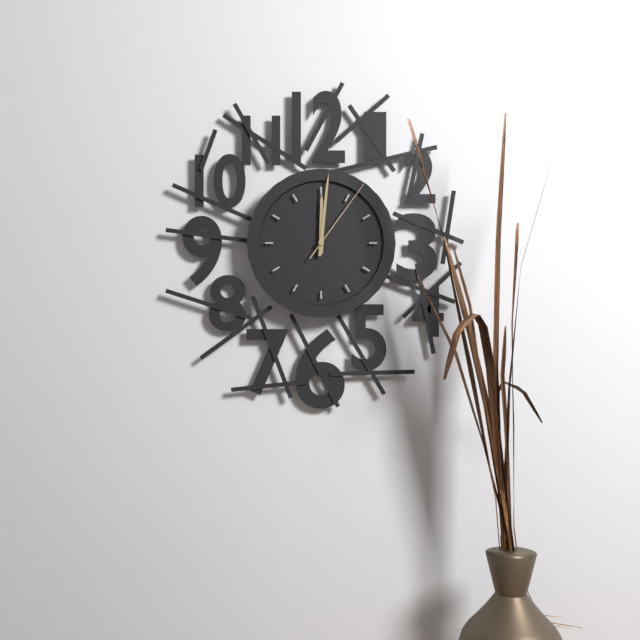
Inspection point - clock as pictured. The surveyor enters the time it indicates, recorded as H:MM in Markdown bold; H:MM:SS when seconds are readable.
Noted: **12:01:06**
